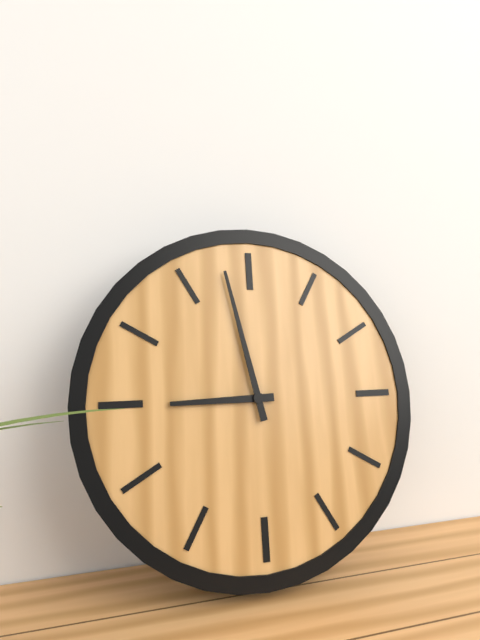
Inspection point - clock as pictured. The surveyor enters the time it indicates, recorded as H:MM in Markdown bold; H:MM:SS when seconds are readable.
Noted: **8:58**
